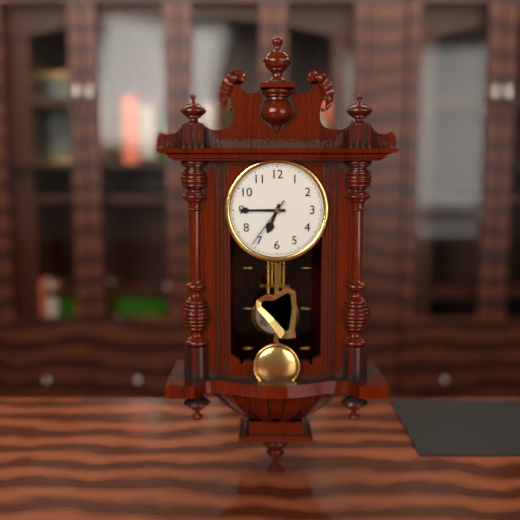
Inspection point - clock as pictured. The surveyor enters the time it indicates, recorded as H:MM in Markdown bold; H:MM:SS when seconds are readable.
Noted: **6:45:36**
